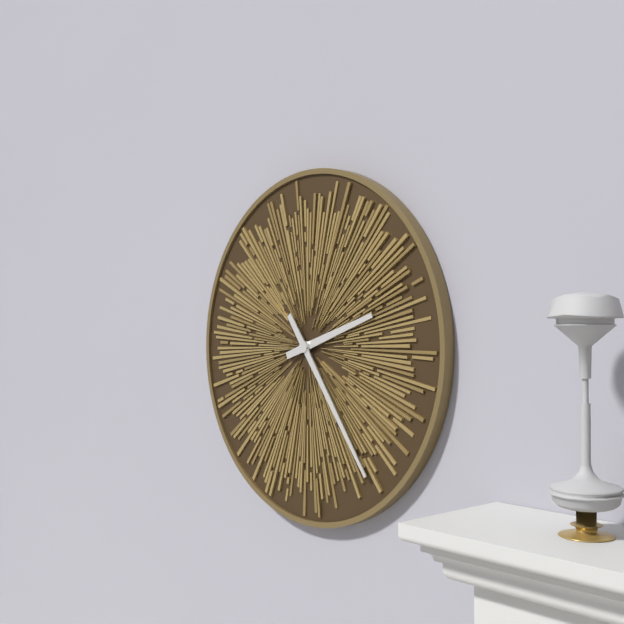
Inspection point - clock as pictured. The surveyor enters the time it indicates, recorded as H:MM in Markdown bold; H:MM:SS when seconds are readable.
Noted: **2:24**
